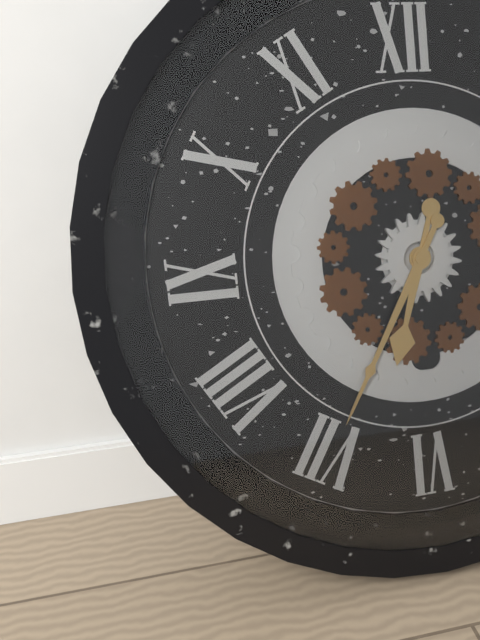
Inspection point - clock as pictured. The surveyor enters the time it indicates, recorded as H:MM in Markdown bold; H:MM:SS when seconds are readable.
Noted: **6:35**
